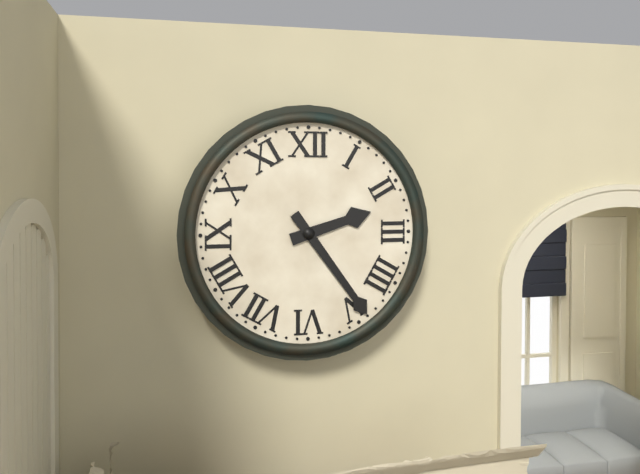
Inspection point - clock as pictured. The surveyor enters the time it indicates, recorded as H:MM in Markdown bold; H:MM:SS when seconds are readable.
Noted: **2:24**
